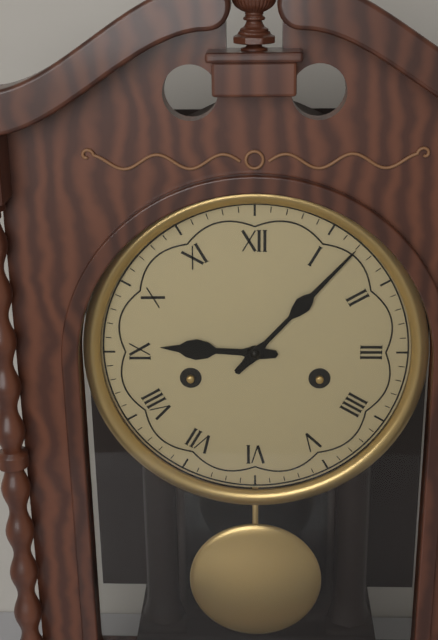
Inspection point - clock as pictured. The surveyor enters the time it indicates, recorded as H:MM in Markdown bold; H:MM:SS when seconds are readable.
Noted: **9:07**
